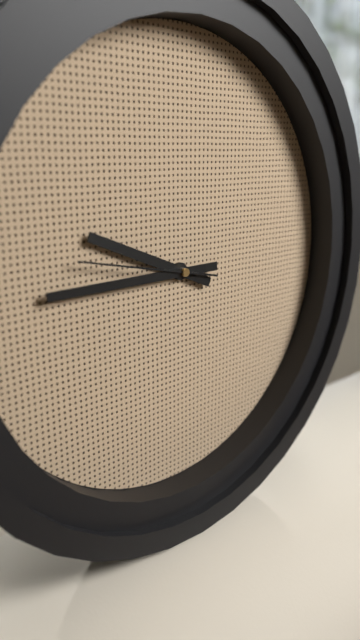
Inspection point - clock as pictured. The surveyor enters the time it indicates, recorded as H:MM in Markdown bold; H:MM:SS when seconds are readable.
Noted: **9:45:47**
